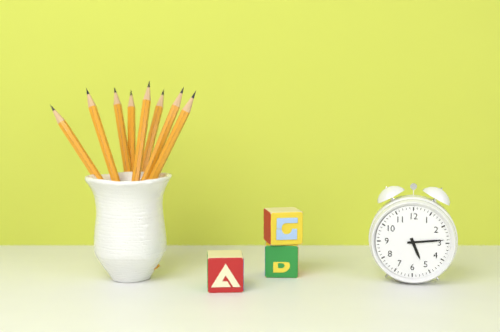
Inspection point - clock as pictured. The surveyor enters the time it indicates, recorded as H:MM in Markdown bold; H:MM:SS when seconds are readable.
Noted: **5:14**
